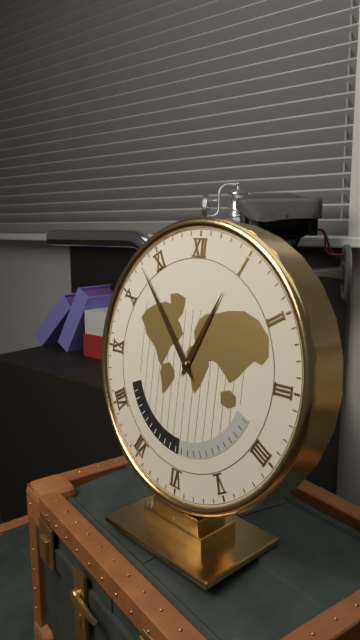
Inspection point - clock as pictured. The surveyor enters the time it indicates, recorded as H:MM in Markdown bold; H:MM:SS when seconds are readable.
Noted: **12:53**
